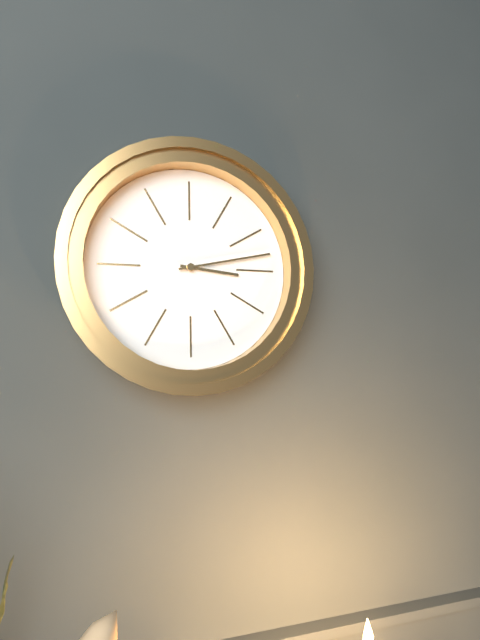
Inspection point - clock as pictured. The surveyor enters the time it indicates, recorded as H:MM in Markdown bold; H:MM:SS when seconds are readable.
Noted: **3:13**
